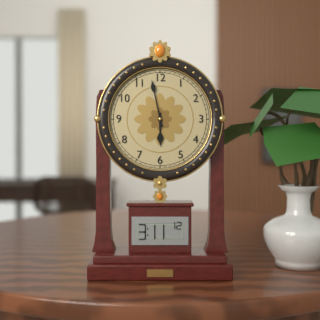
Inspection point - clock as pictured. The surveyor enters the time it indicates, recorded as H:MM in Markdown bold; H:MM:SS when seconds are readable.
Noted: **5:58**
